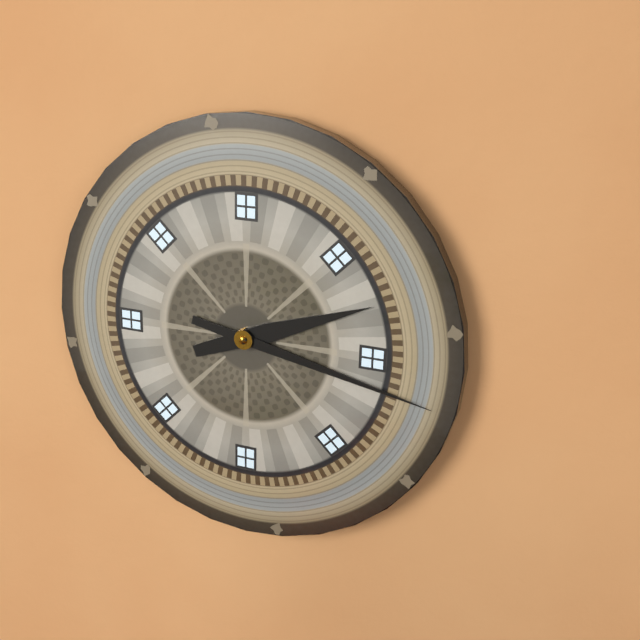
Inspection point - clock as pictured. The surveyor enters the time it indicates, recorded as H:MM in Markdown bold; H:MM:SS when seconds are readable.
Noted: **2:17**
